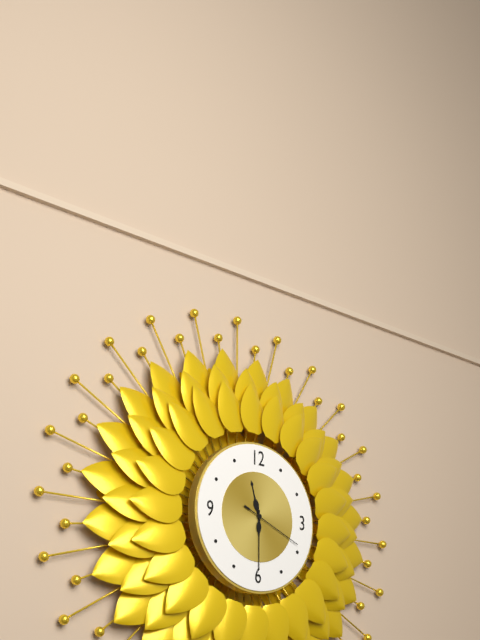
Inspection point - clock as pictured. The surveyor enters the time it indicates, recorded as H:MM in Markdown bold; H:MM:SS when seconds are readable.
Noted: **11:30:19**
